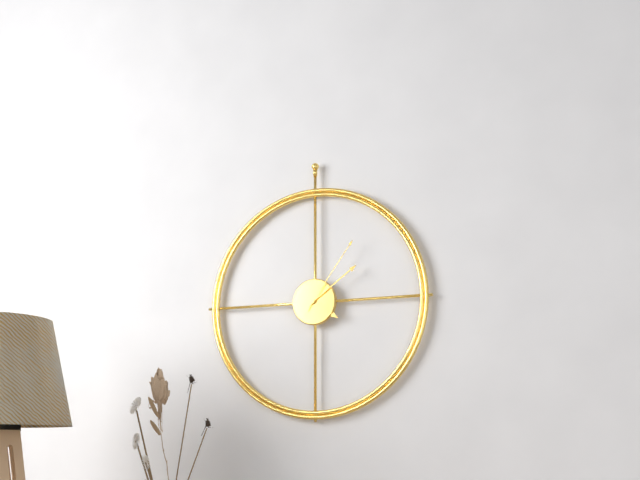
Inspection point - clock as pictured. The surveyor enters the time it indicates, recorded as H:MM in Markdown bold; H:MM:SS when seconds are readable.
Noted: **4:09:06**
